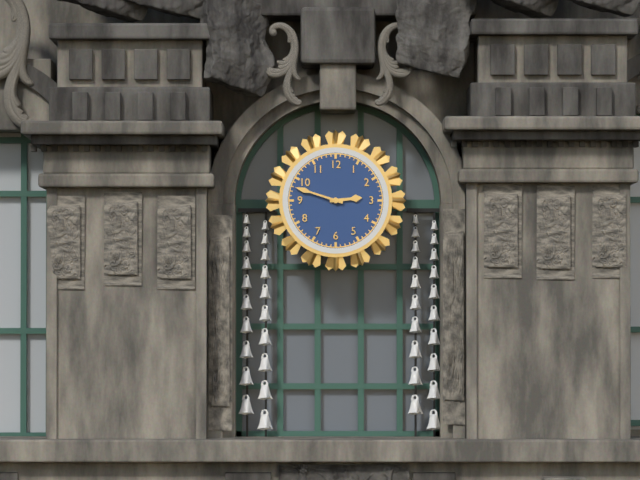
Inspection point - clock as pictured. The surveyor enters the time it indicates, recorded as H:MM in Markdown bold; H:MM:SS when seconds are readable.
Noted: **2:48**
